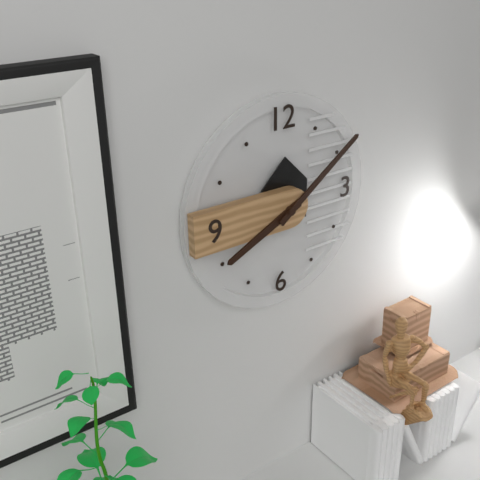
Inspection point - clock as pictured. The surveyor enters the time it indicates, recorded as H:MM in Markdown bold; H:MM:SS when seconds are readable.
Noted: **8:09**
